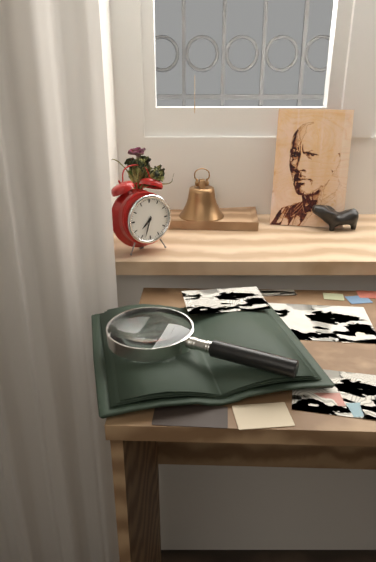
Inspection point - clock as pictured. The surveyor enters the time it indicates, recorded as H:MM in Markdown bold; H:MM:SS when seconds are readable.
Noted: **7:33**
